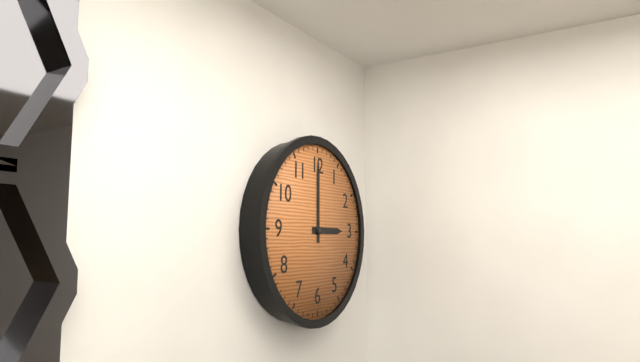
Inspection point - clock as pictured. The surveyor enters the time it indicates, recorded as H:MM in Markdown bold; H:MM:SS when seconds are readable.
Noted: **3:00**
